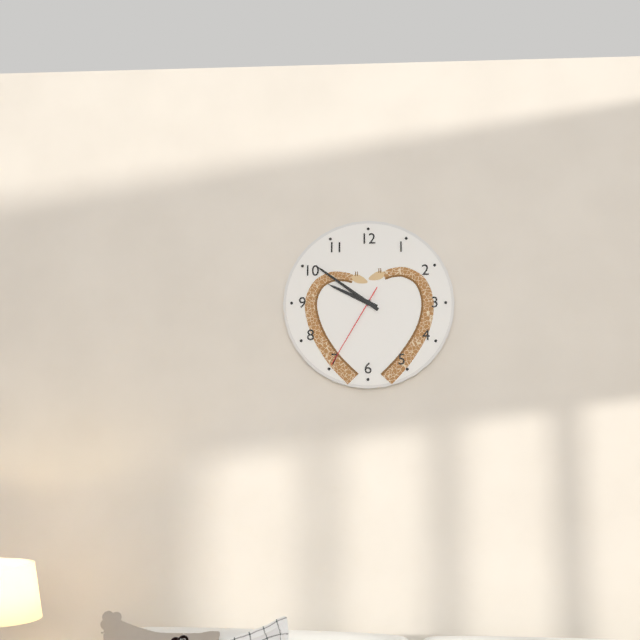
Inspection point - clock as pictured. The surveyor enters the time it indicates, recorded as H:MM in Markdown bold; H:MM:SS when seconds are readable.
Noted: **9:51:35**
